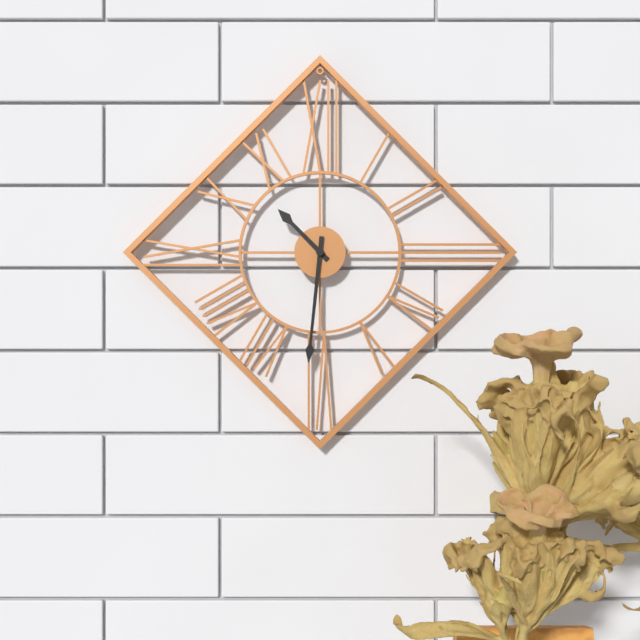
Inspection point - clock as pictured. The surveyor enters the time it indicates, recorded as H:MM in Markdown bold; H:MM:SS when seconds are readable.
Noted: **10:31**
